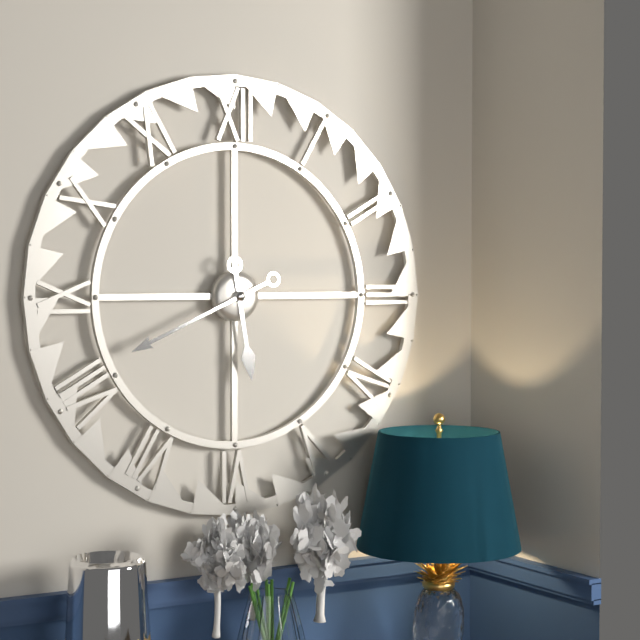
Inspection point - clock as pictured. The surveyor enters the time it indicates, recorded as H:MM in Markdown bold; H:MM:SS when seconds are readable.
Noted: **5:41**
